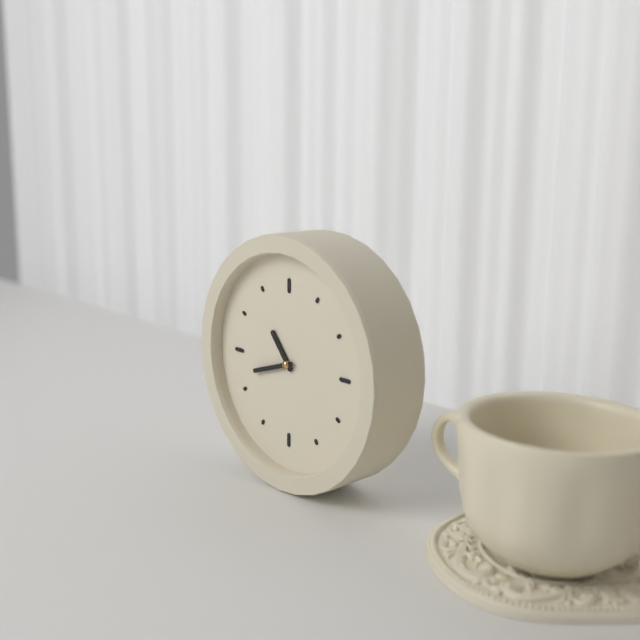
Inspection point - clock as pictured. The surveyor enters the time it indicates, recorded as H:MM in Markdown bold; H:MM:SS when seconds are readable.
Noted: **10:42**
